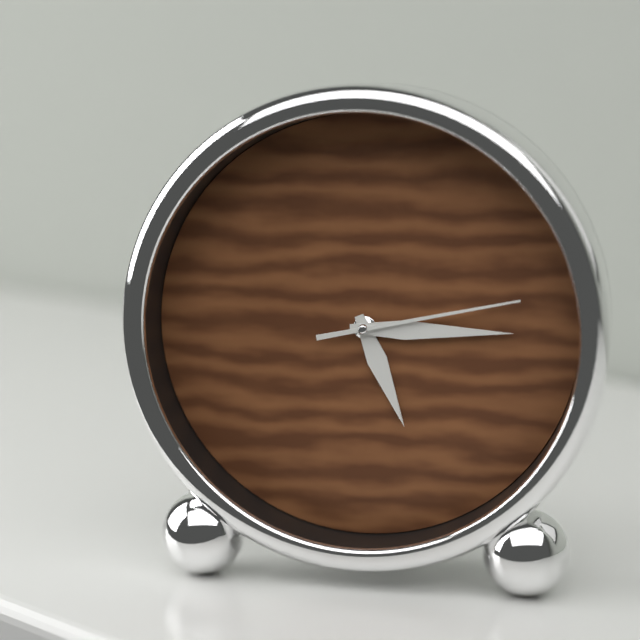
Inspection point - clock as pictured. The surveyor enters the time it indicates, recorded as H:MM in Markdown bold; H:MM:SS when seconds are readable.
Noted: **5:15:13**
